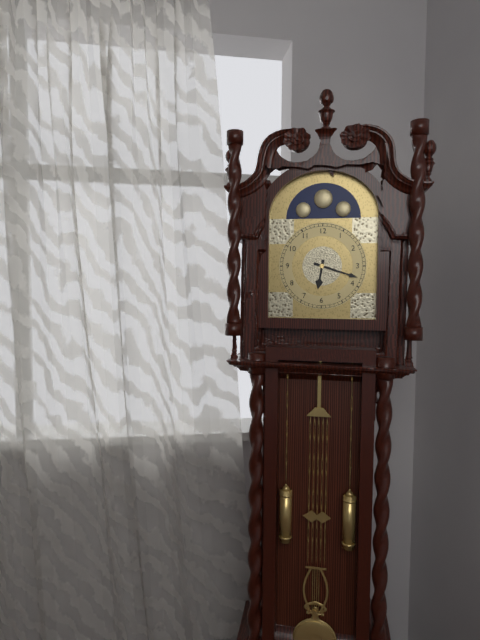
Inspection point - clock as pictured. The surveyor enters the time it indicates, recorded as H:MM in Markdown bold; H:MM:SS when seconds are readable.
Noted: **6:18**
